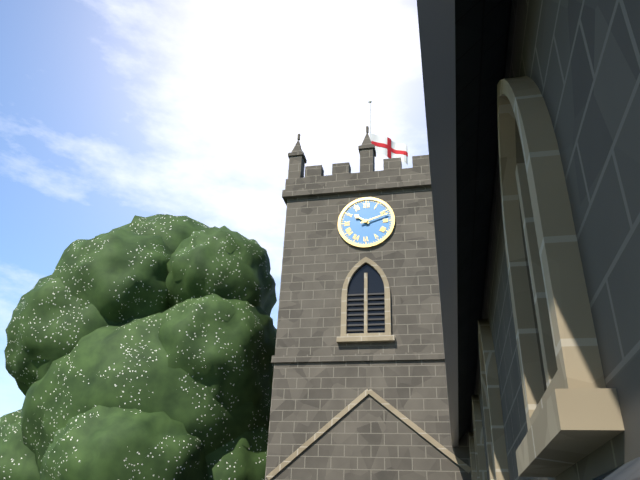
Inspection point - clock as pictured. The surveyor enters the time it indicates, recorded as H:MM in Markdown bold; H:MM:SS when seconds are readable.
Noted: **10:12**
